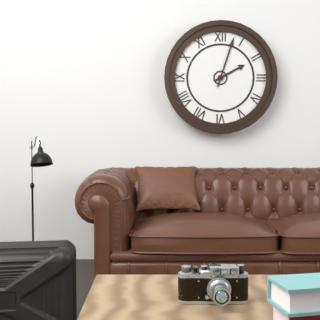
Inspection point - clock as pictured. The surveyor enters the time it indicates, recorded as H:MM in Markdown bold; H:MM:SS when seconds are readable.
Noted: **2:03**
